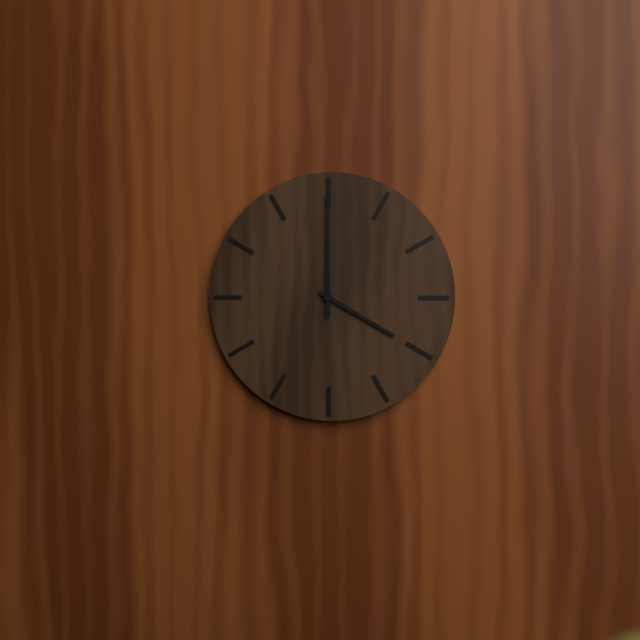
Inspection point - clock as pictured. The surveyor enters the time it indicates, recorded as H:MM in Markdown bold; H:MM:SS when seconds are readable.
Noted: **4:00**
